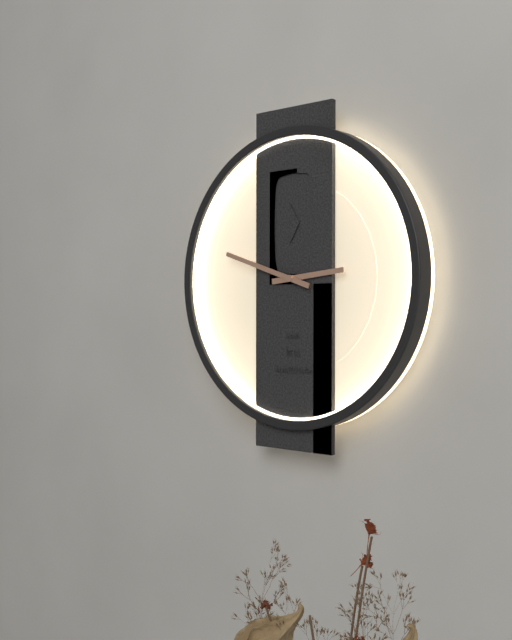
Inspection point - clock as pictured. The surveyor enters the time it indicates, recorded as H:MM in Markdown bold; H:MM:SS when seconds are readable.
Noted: **2:48**
